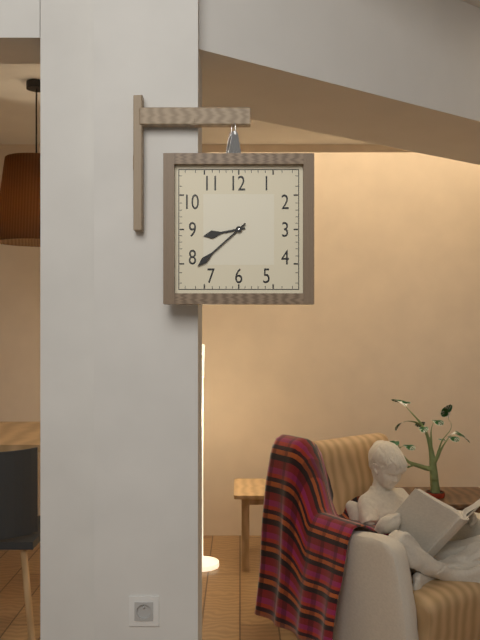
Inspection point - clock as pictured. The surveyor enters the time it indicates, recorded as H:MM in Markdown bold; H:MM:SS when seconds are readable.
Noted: **8:38**
